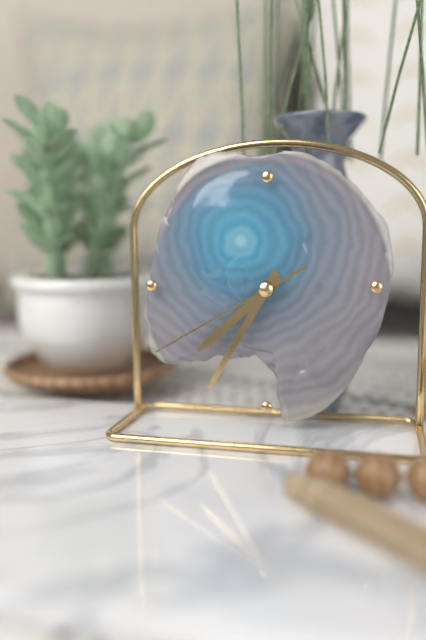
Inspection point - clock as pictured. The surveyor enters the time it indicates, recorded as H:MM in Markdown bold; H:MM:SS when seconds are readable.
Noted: **7:35:40**
